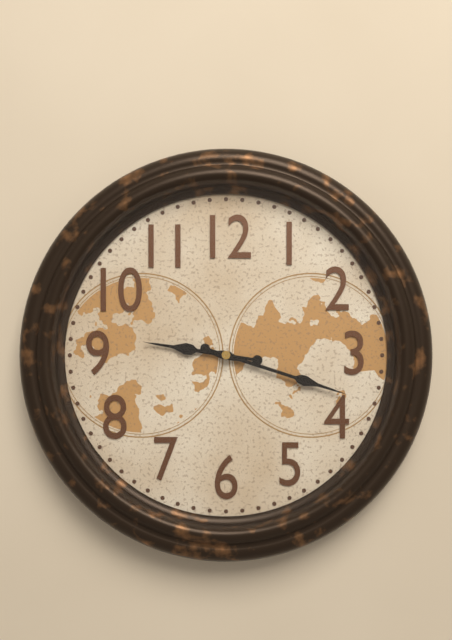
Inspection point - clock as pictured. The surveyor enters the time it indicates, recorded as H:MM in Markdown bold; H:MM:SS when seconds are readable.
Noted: **9:18**
